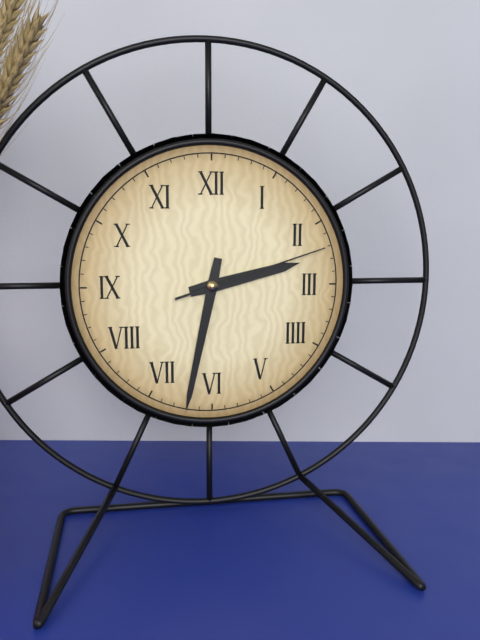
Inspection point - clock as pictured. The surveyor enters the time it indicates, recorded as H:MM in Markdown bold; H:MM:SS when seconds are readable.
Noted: **2:32:12**
